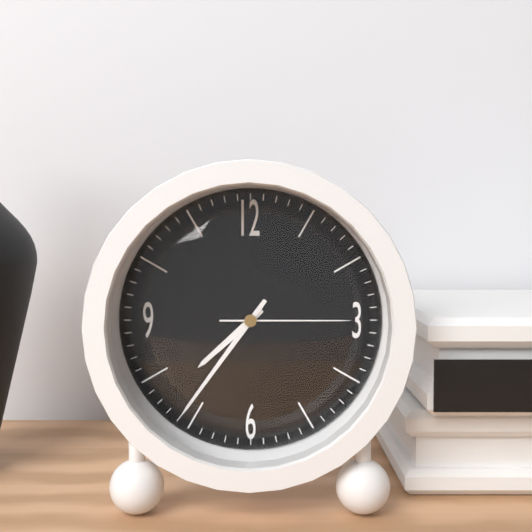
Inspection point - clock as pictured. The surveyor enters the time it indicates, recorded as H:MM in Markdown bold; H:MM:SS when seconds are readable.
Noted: **7:36:15**
